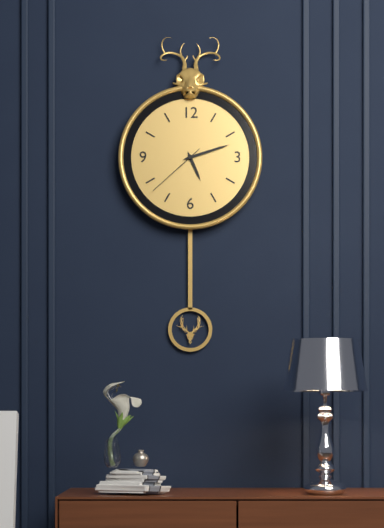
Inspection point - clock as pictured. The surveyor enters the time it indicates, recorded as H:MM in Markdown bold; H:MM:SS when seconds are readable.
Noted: **5:12:38**
